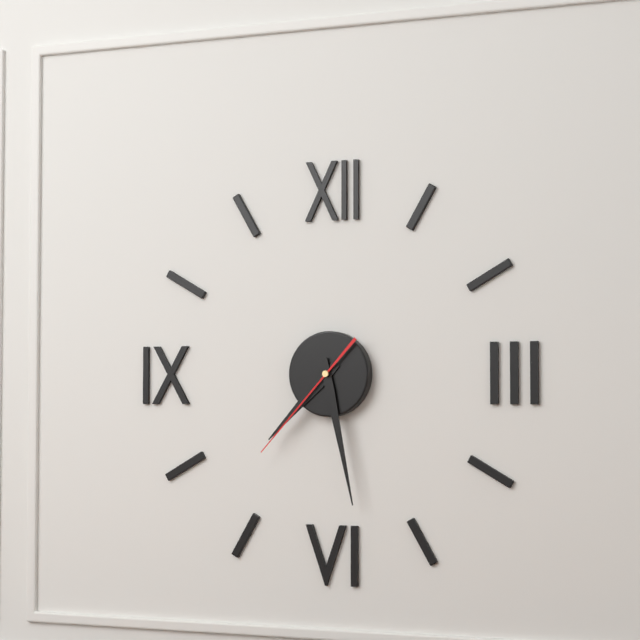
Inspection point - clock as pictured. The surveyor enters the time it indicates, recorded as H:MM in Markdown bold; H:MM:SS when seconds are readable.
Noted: **7:28:37**
